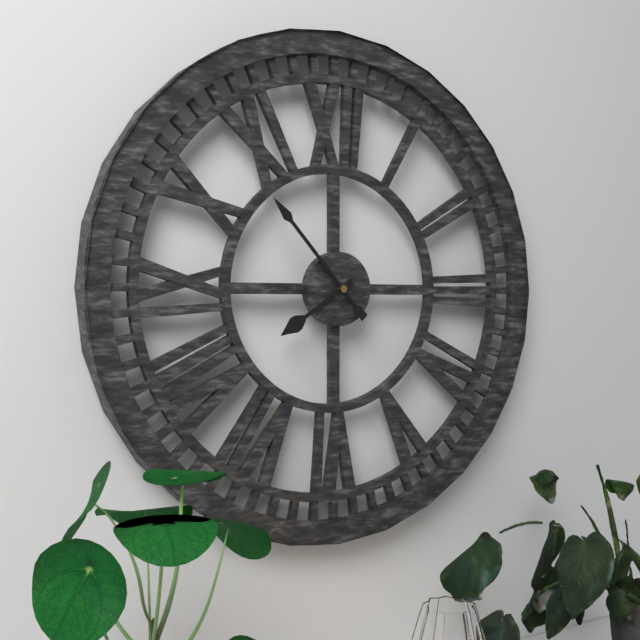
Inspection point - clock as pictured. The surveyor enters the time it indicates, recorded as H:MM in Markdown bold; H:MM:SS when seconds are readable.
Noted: **7:53**
